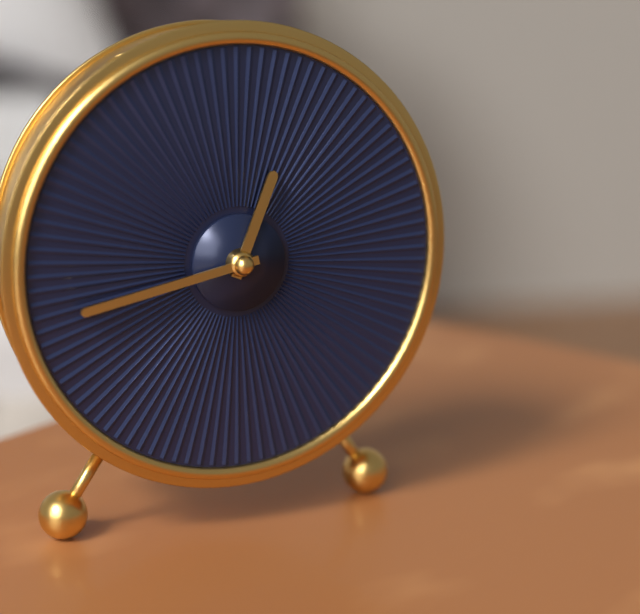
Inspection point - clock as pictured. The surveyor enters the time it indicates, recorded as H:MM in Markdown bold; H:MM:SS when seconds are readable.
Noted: **12:43**
